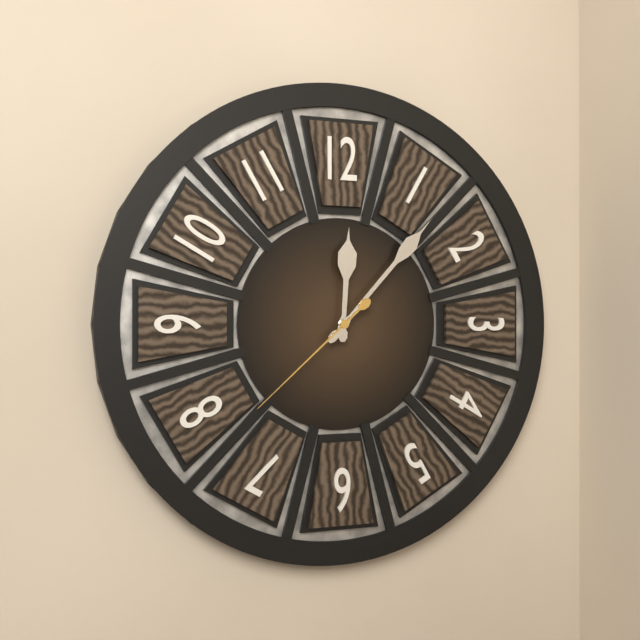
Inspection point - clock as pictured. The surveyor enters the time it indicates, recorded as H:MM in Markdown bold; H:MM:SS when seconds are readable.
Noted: **12:07:38**
